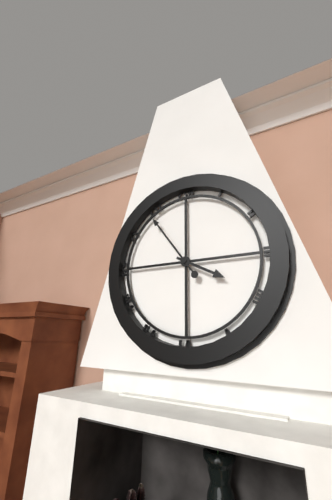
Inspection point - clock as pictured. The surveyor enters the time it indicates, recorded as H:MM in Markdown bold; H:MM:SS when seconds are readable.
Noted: **3:54**
